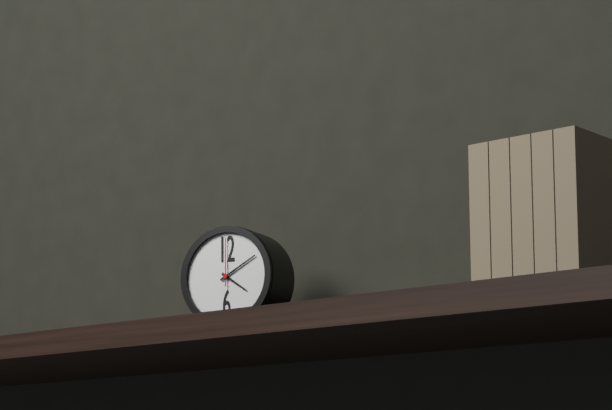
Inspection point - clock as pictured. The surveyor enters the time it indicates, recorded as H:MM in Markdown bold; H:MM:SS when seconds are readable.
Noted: **4:10**
